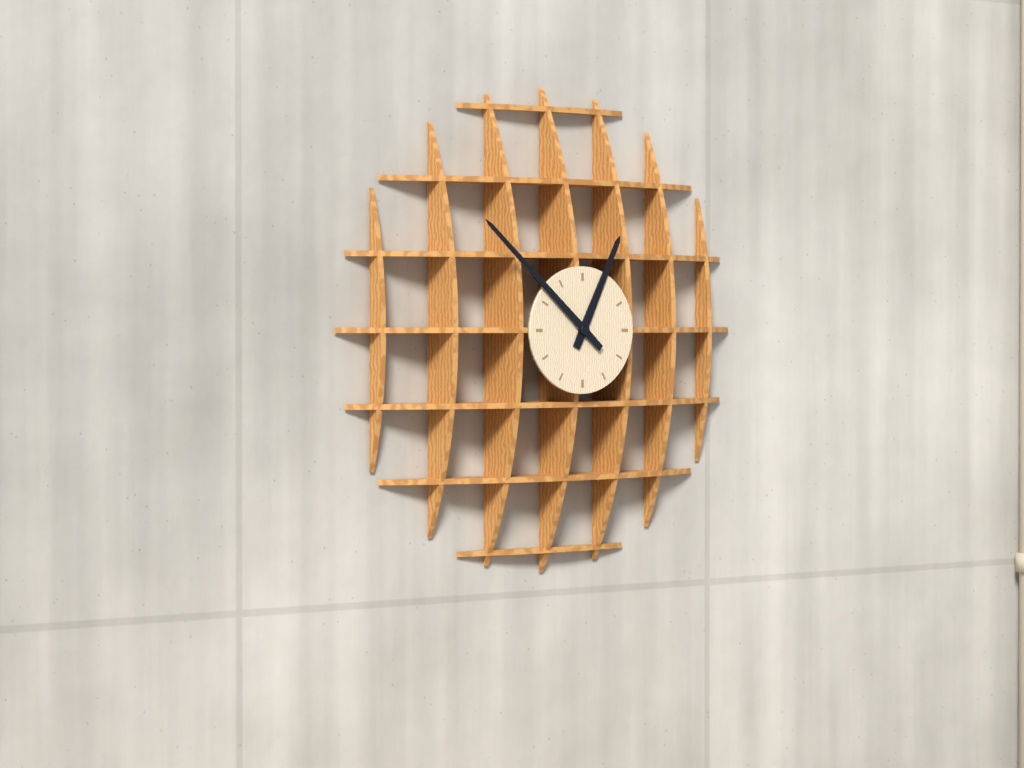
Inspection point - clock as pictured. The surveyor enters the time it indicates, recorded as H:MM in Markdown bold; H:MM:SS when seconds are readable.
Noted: **12:52**
